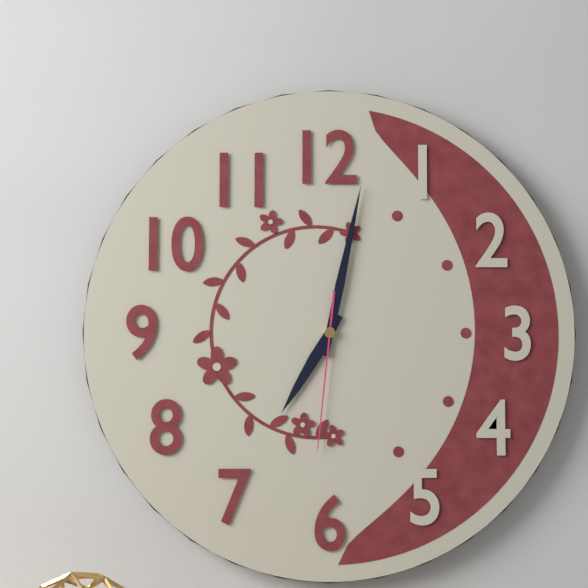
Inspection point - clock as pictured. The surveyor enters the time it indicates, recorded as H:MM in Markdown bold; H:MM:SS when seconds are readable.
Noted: **7:02:31**
